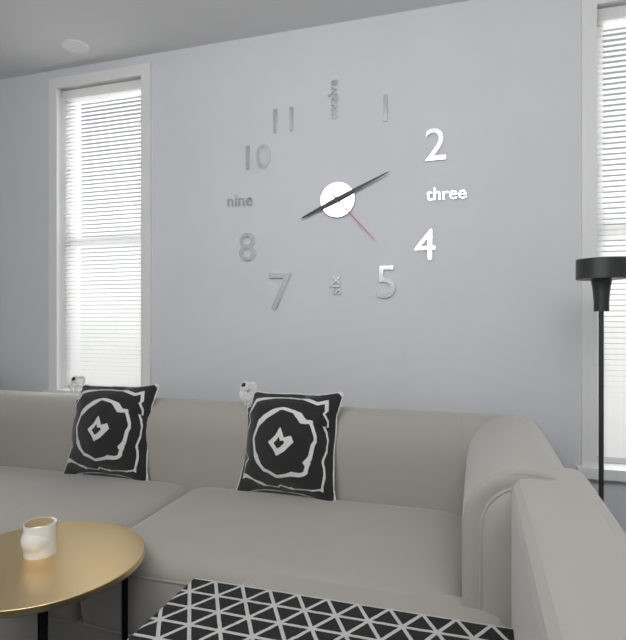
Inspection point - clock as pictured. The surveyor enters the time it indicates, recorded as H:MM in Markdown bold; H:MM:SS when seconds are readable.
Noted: **8:11:23**
